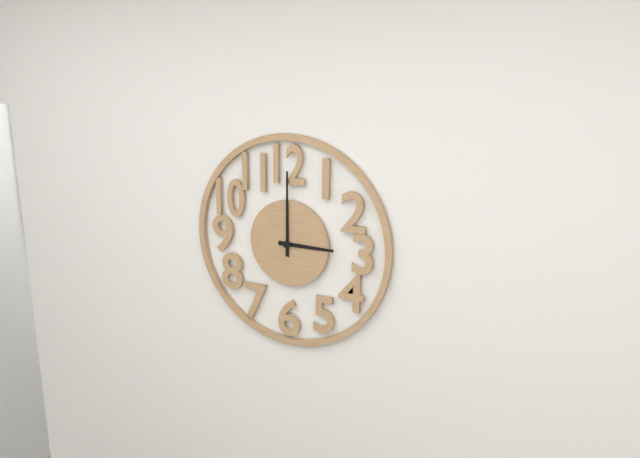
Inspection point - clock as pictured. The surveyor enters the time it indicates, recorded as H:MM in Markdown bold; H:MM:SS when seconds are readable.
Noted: **3:00**
